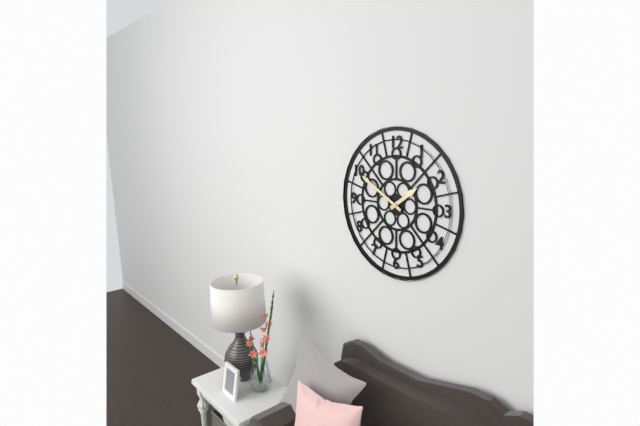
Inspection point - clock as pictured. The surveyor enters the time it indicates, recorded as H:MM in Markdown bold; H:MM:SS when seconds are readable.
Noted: **1:50**
